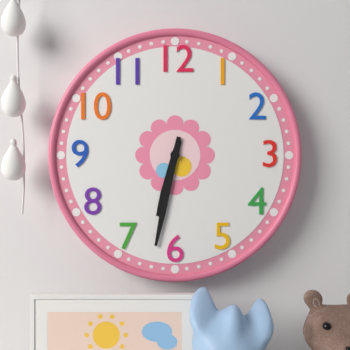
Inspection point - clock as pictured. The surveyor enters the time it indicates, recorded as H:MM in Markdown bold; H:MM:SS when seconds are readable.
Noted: **6:32**
